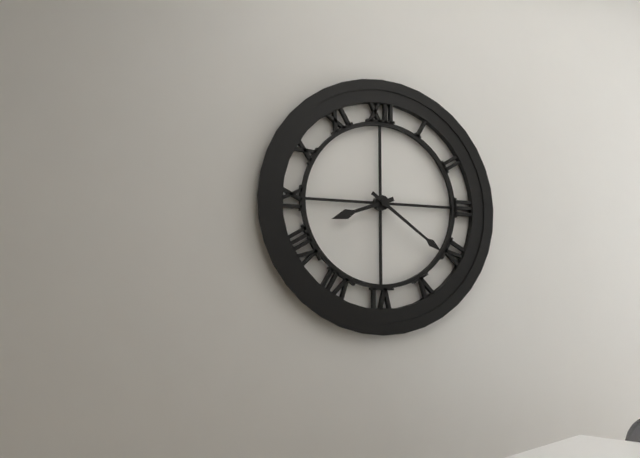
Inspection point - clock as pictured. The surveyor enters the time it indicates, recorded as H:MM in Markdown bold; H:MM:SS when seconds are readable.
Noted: **8:21**
